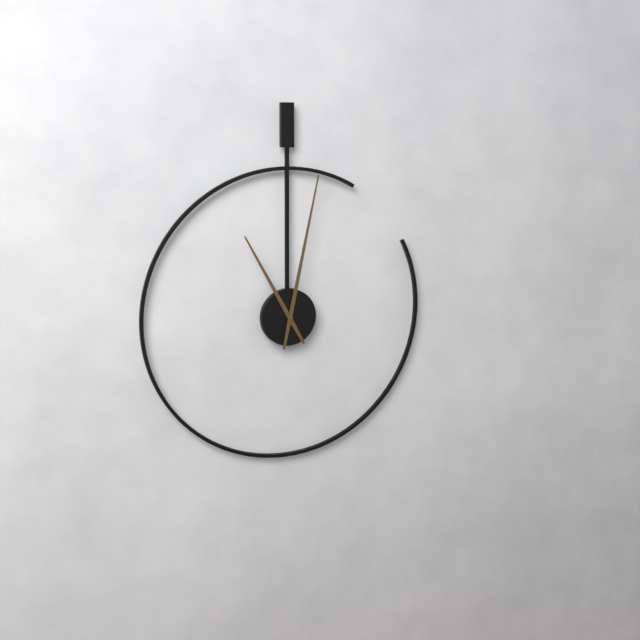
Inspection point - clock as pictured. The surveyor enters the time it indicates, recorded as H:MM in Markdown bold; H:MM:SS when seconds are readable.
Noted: **11:02**
